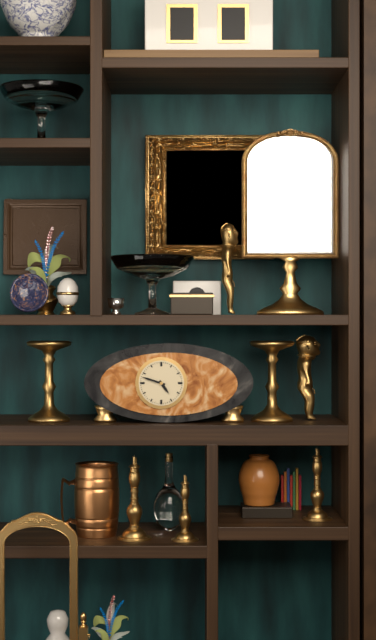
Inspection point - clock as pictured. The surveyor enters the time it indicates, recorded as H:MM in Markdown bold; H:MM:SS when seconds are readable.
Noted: **4:48**
